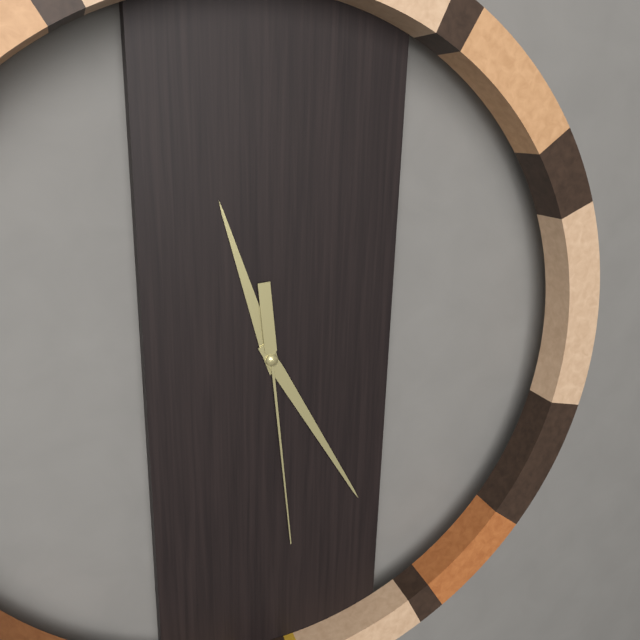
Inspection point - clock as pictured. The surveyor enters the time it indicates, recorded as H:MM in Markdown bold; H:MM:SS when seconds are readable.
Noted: **11:25:29**
